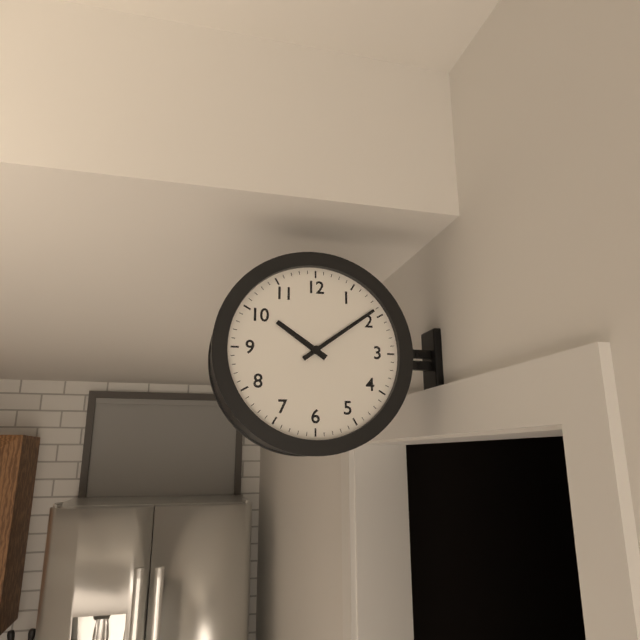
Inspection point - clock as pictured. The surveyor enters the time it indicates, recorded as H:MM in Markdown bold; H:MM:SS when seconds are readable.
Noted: **10:09**
